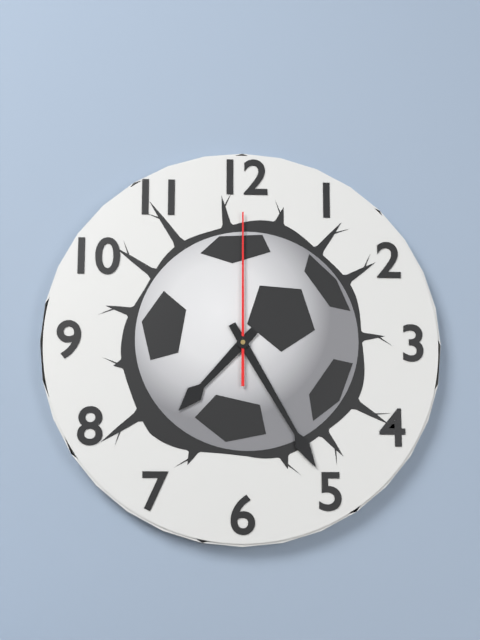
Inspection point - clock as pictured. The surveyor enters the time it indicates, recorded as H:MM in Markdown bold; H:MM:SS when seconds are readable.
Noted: **7:25:00**
